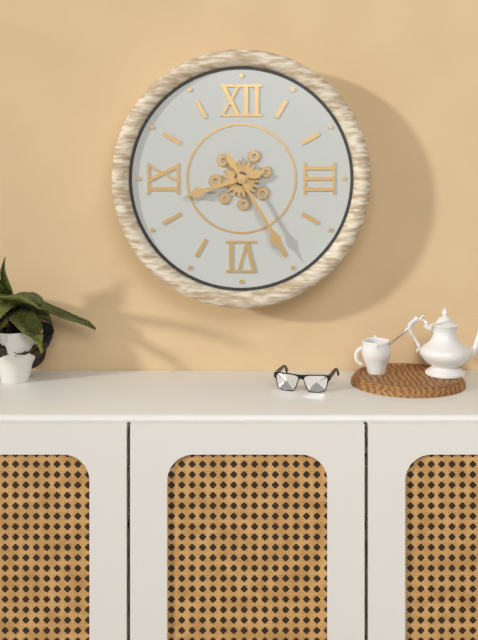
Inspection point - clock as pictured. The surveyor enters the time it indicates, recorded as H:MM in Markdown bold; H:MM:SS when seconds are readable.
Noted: **8:25**
